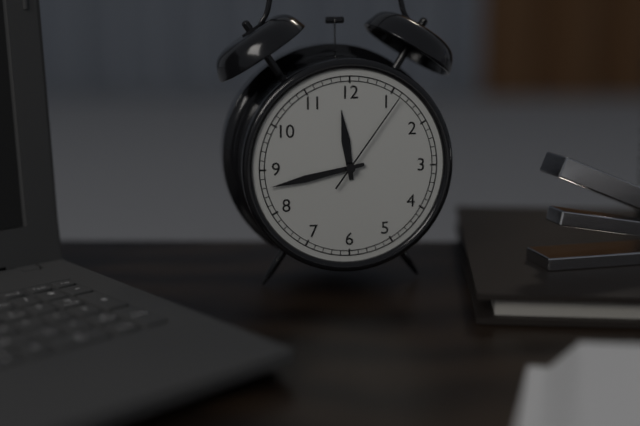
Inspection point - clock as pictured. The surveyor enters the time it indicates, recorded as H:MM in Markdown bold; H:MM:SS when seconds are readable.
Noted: **11:43:06**
